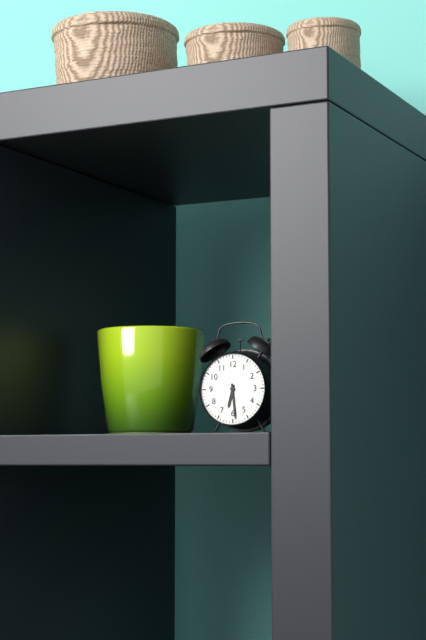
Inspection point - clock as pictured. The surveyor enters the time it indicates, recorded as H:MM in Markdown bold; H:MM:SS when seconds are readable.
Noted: **6:29**
